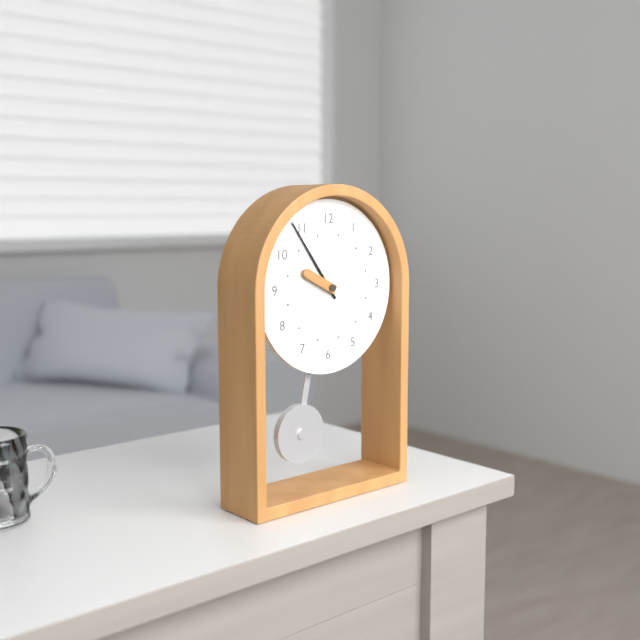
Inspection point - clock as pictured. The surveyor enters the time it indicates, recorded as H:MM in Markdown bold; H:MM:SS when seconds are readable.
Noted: **9:54**
